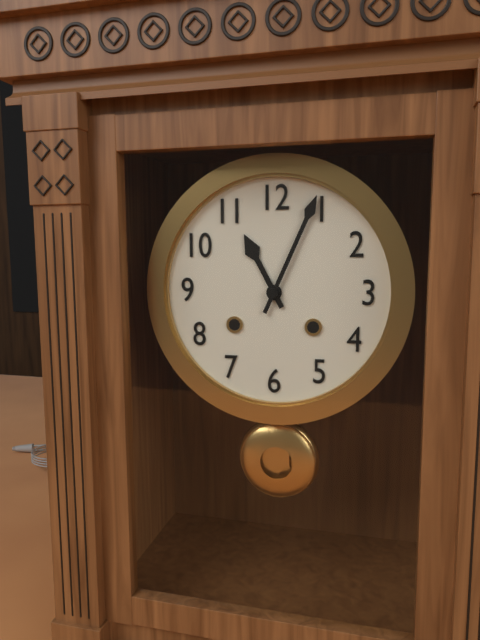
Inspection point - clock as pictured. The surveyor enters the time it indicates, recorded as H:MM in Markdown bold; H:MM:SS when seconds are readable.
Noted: **11:04**
